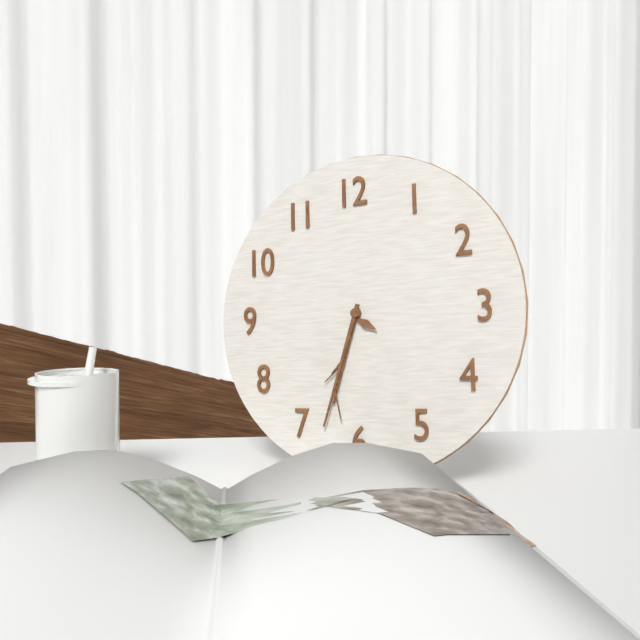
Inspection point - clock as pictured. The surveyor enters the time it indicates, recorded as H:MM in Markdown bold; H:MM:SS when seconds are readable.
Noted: **6:33**
